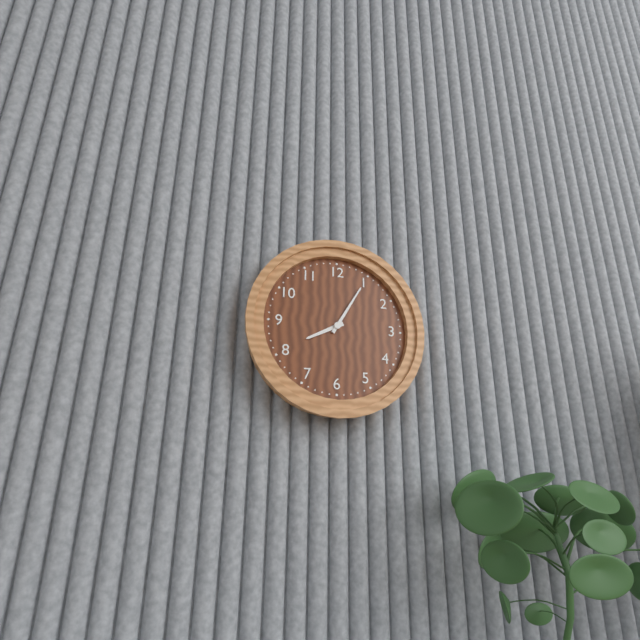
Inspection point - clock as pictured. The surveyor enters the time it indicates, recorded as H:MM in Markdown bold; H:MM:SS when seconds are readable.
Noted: **8:05**
